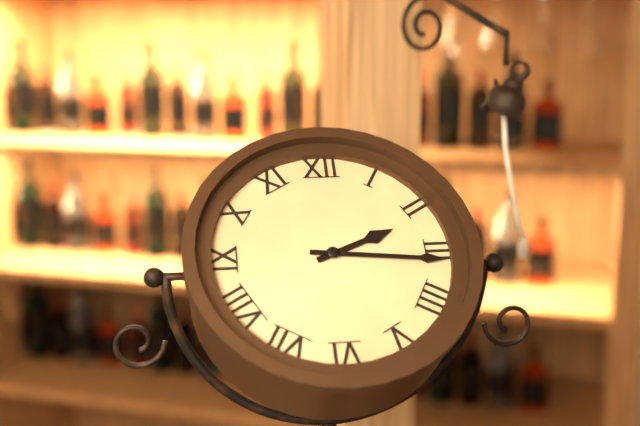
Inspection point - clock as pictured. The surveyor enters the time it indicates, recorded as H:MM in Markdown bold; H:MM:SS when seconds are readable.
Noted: **2:16**
